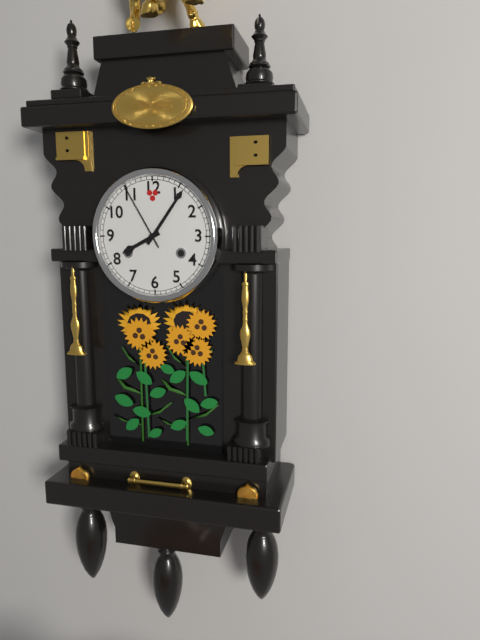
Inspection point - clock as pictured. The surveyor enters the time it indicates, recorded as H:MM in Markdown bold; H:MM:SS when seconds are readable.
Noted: **8:06:55**
